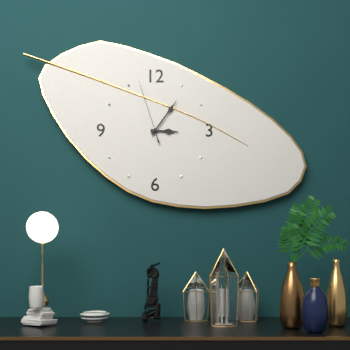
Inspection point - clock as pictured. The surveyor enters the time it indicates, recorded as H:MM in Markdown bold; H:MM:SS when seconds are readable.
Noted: **3:06:57**
